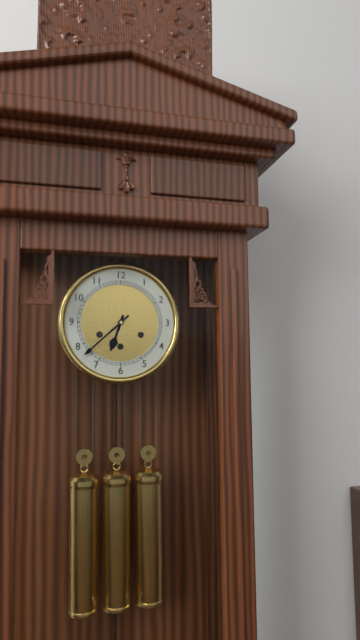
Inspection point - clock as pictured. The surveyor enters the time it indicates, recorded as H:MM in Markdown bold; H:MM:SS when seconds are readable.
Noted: **6:38**
